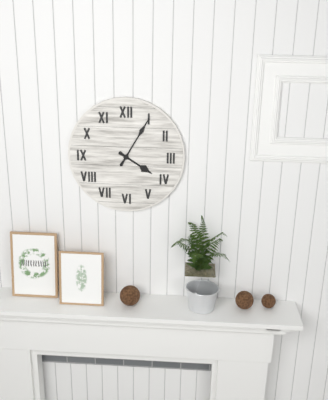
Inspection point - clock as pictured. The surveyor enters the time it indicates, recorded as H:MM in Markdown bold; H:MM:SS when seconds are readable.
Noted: **4:05**
